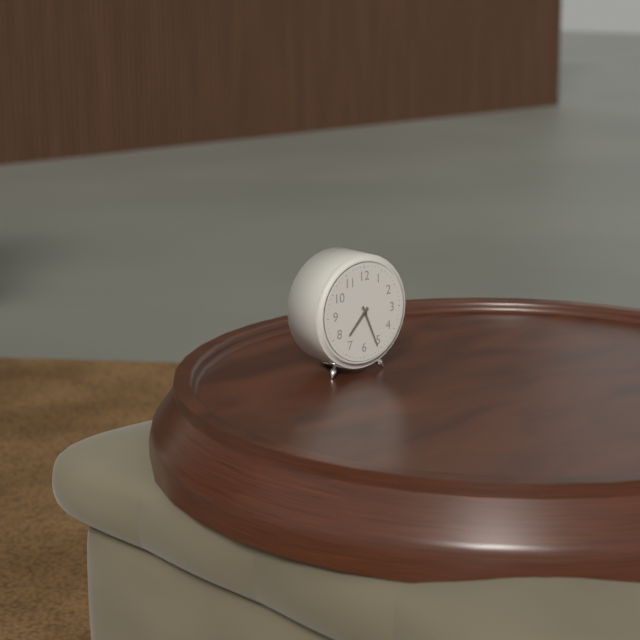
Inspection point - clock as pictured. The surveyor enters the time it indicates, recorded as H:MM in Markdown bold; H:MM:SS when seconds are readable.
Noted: **7:26**
